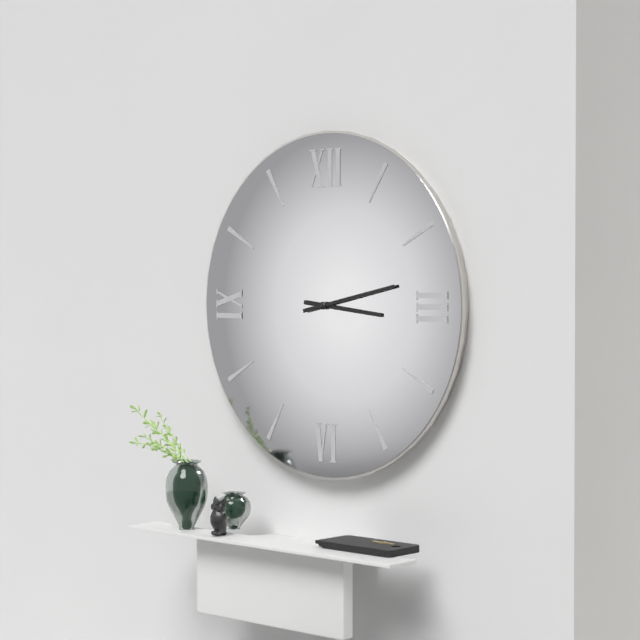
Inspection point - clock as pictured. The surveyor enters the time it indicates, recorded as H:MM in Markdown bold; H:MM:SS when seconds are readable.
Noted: **3:13**
